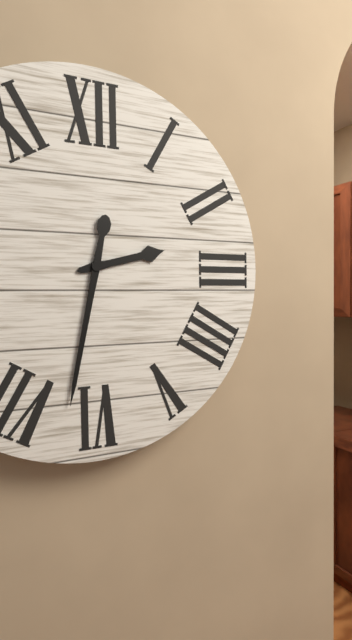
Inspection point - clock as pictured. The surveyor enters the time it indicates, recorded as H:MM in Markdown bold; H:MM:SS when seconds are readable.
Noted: **2:32**
